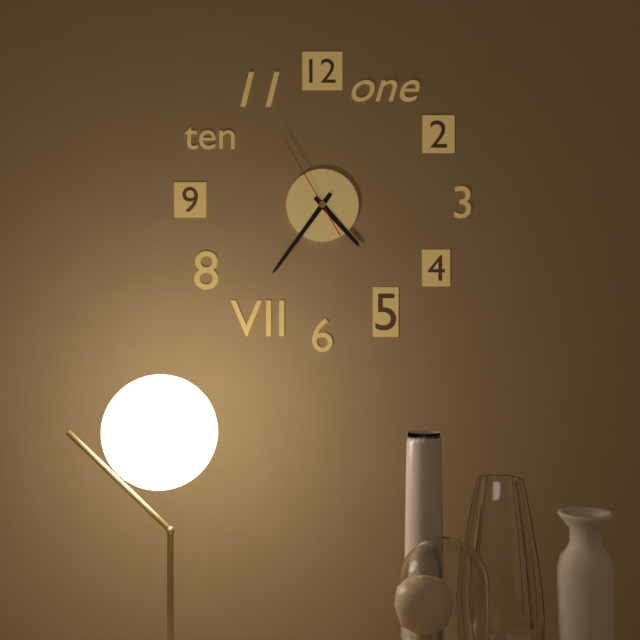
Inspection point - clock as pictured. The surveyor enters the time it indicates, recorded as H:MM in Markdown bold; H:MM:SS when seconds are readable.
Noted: **4:36:55**
